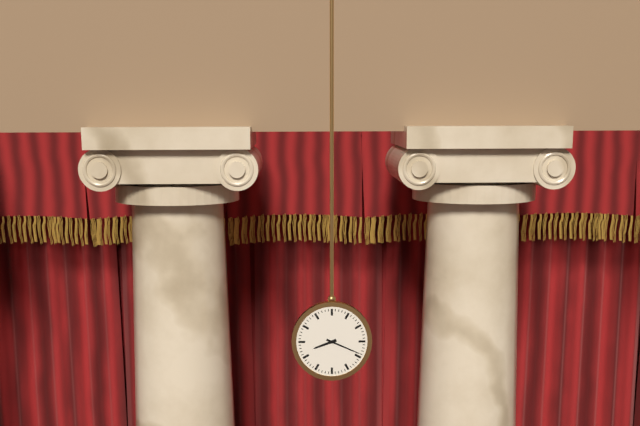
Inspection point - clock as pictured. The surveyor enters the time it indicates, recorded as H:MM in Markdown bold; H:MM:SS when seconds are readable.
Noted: **8:19**
